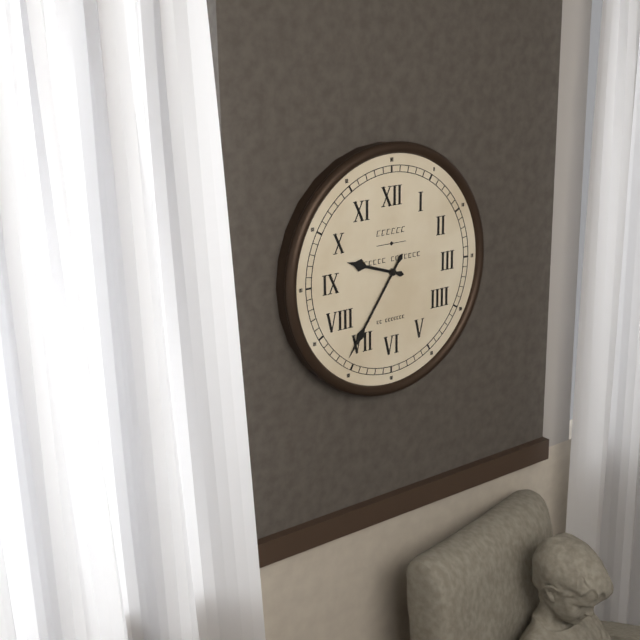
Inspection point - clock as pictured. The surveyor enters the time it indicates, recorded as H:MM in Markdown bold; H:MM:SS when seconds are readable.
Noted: **9:36**
